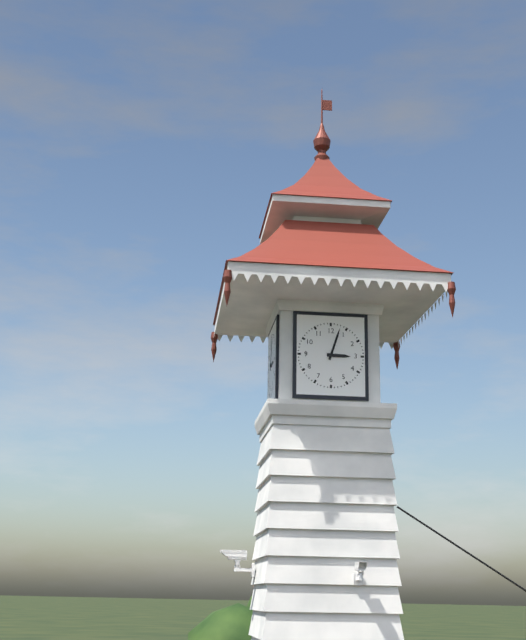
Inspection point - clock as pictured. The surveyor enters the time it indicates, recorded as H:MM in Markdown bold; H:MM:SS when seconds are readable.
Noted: **3:03**
